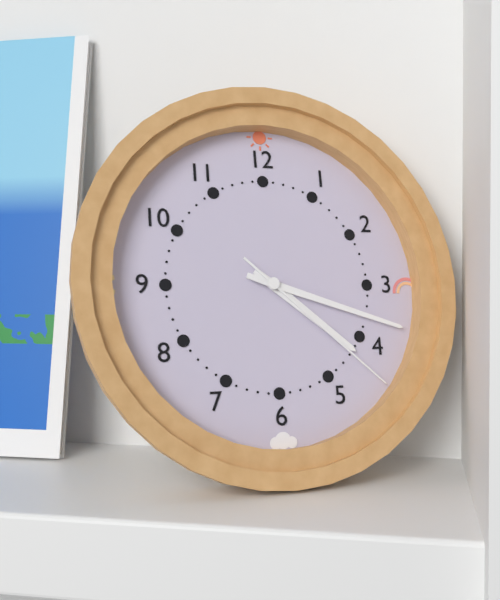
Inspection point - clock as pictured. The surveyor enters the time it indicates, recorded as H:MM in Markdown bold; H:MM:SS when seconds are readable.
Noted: **4:18:22**
